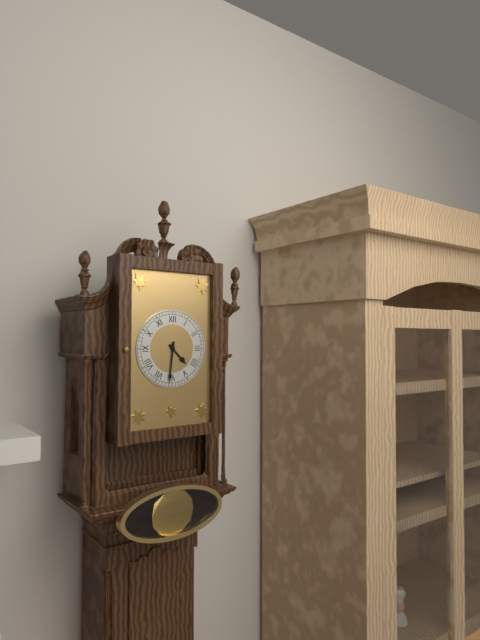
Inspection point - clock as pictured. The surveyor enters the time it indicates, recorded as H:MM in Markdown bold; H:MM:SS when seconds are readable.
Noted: **4:31**
